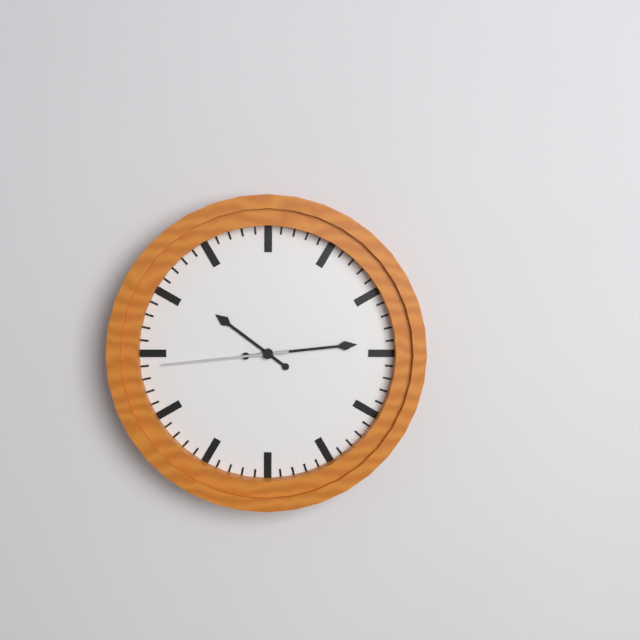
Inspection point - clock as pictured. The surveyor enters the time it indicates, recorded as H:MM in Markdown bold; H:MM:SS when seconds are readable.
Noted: **10:14:44**
